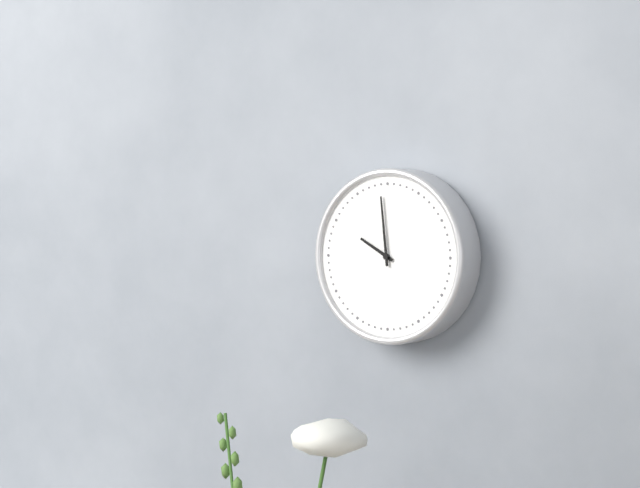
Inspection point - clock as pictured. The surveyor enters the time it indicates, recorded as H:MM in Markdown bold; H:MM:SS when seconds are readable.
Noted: **9:59**
